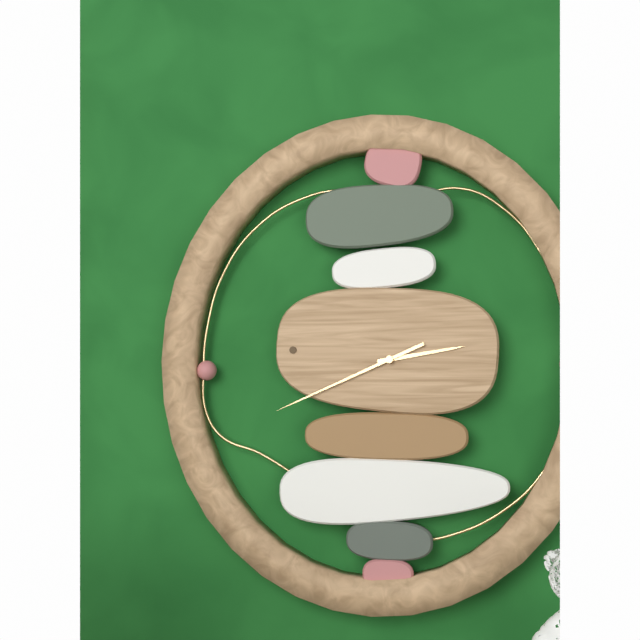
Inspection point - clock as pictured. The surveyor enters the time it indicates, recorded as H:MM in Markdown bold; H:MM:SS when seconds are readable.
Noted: **2:41**
